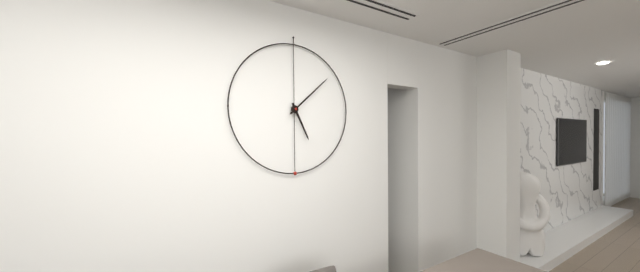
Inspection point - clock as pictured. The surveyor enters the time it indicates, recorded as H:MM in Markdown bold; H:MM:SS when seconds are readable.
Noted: **5:08**
